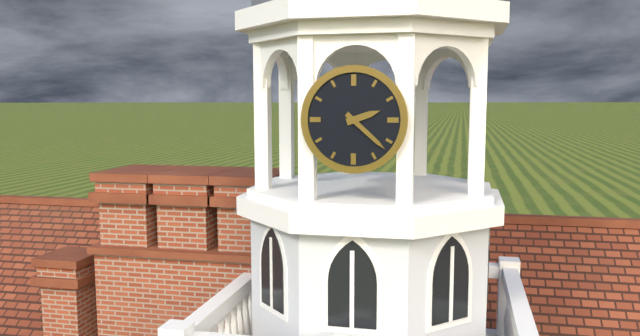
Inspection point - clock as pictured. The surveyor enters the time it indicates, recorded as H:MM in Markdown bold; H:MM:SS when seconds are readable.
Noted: **2:22**
